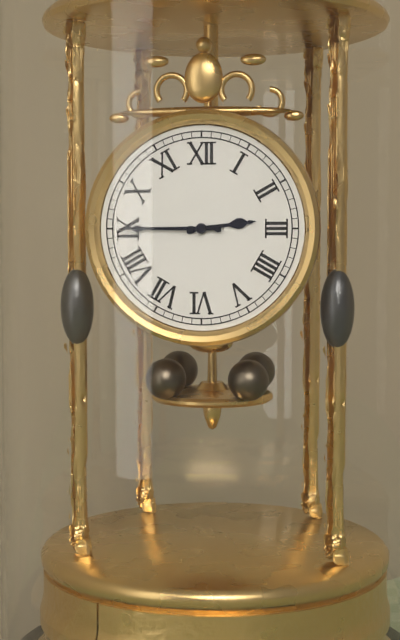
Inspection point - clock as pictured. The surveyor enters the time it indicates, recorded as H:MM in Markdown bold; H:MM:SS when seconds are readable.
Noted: **2:45**
